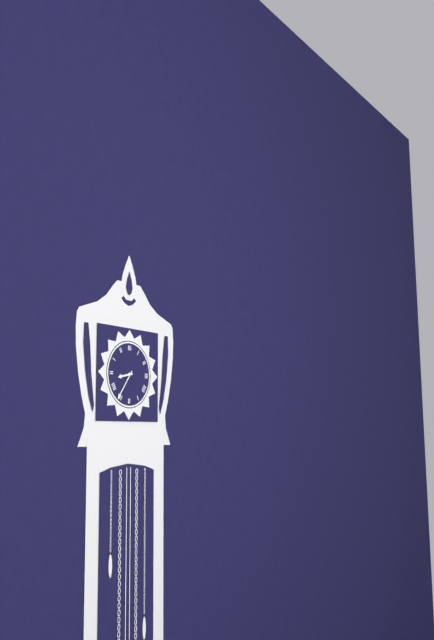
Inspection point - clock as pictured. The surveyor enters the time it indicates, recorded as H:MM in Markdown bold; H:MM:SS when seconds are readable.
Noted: **8:36**
